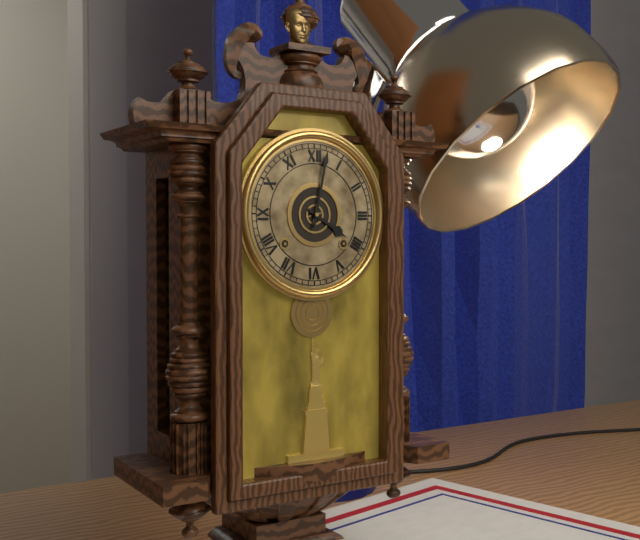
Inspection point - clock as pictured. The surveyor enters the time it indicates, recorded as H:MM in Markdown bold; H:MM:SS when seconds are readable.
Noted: **4:02**
